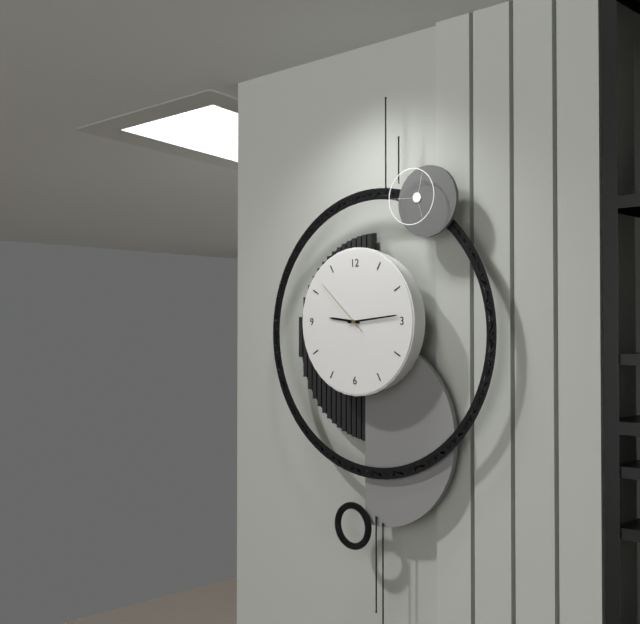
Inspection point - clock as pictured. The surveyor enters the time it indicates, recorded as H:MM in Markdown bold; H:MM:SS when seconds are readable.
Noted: **9:14:52**
